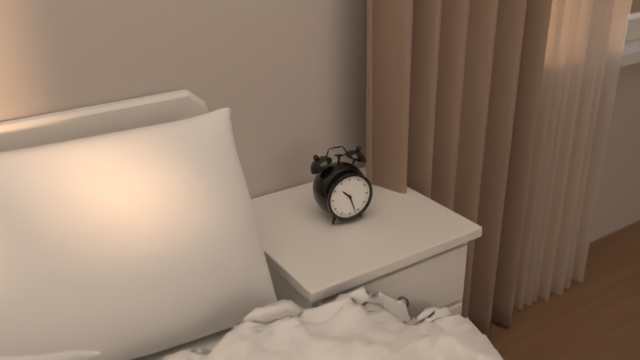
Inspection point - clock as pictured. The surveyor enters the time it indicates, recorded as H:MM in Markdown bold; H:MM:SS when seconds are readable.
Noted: **10:27**
